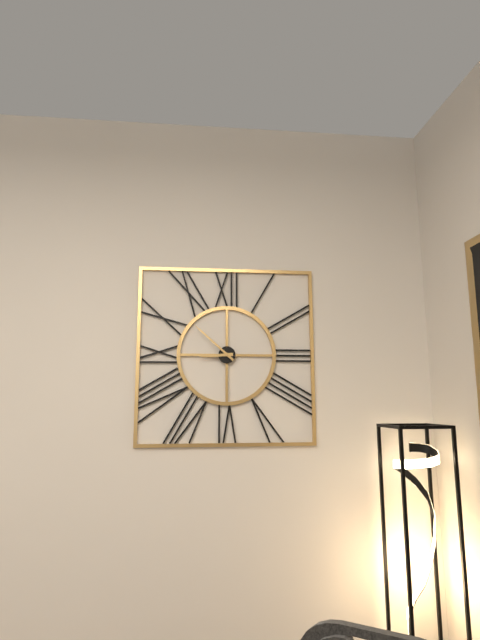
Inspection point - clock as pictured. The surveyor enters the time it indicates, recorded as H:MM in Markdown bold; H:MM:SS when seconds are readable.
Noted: **8:52**
